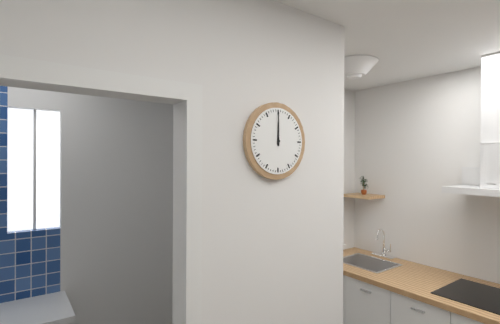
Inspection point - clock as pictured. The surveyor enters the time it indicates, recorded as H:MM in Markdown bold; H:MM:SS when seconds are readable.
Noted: **12:00**
